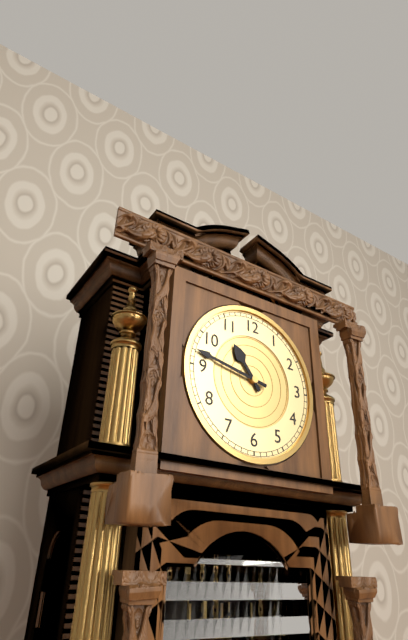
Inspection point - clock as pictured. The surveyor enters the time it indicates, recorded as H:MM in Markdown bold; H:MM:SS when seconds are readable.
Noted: **10:47**
